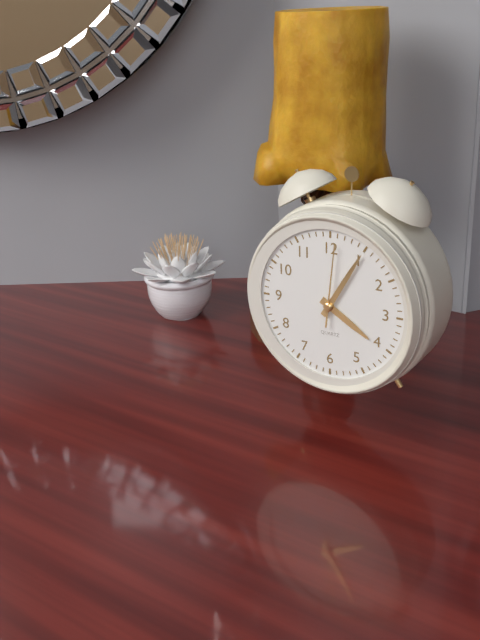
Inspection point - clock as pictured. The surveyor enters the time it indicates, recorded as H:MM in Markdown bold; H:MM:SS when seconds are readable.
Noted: **4:05:01**
